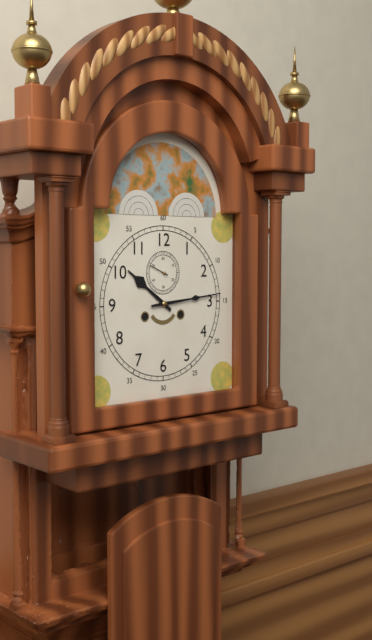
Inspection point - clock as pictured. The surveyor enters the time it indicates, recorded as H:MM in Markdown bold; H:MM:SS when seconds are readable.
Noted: **10:14**
